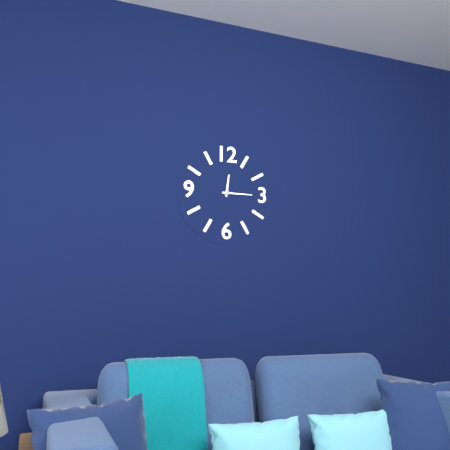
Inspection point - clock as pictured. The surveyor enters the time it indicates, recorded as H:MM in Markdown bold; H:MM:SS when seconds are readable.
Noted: **12:15**
